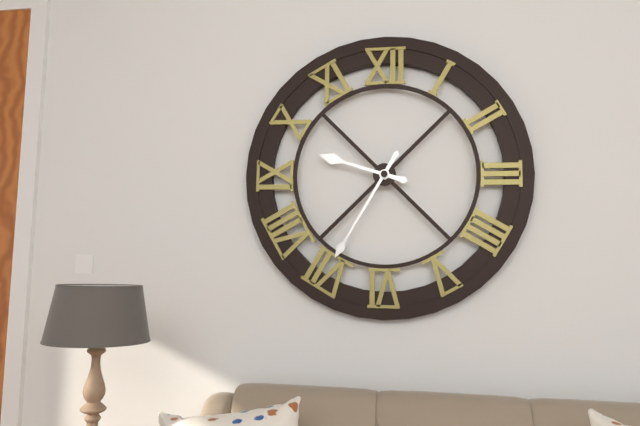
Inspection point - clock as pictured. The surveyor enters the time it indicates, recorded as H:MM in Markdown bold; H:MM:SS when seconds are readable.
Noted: **9:35**
